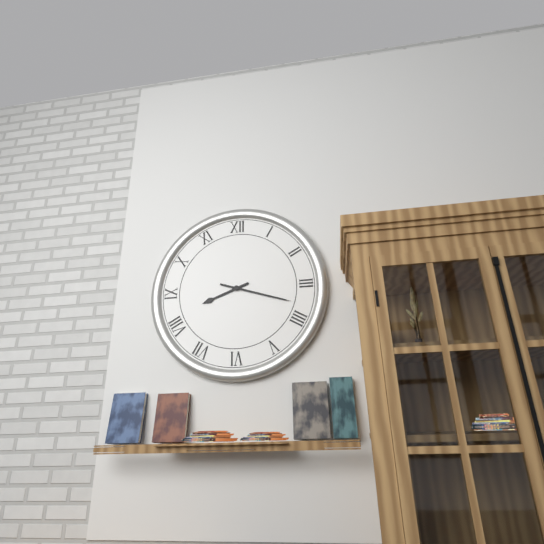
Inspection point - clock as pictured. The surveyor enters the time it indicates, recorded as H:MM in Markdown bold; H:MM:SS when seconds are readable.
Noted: **8:18**
